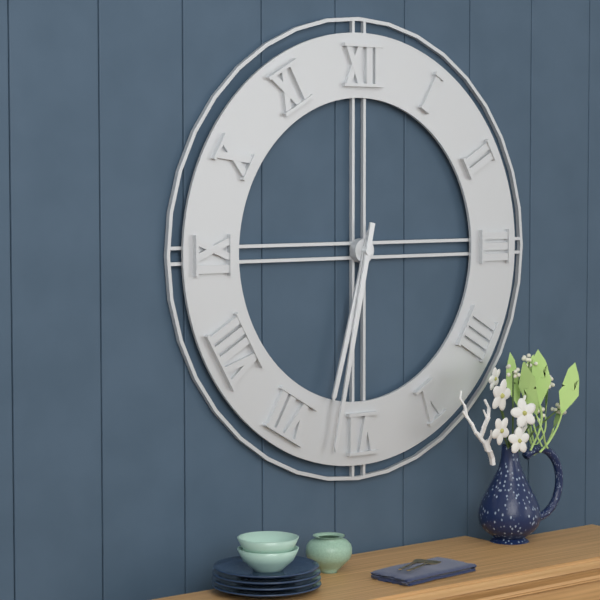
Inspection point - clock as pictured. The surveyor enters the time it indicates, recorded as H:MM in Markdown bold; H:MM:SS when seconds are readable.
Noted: **6:32**
